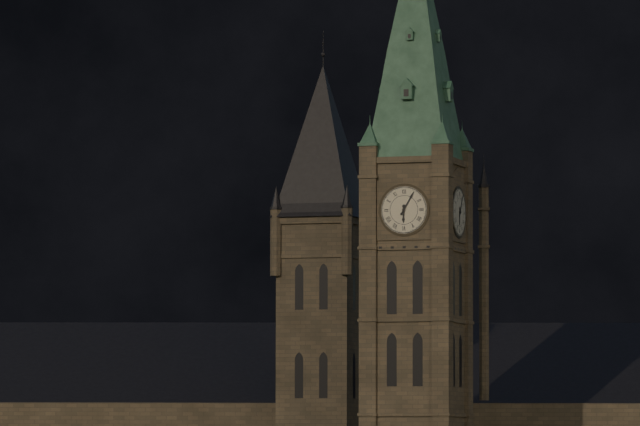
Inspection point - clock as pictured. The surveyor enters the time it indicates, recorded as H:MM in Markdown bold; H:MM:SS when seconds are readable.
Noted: **6:05**
